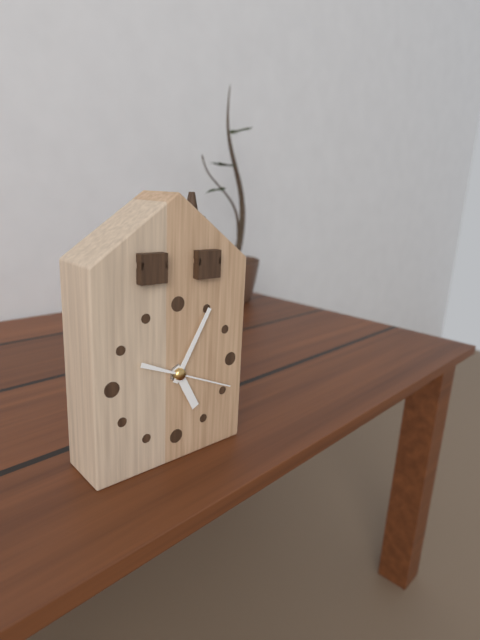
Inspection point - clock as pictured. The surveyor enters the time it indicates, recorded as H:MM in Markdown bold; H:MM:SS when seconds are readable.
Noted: **5:05:19**
